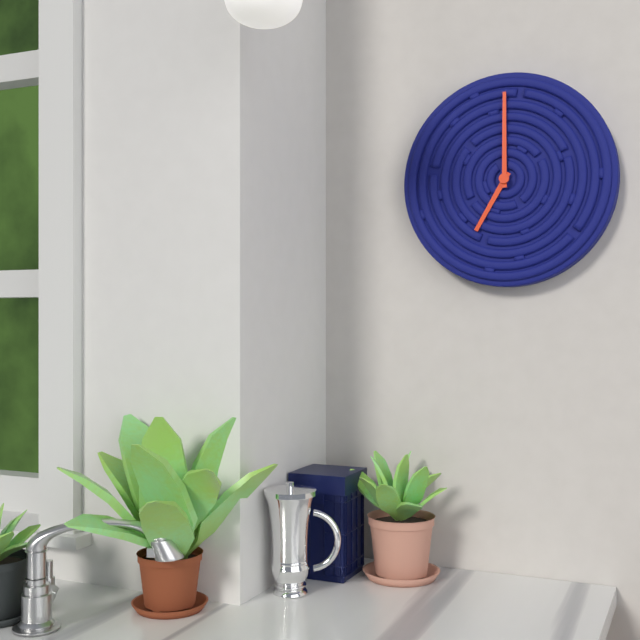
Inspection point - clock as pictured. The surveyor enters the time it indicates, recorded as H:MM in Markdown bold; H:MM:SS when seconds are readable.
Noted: **7:00**
